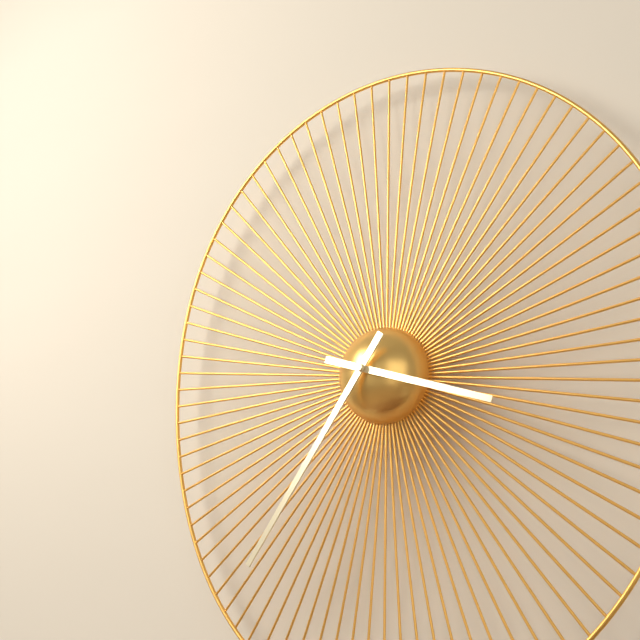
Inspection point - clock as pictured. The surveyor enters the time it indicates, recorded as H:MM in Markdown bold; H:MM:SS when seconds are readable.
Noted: **3:36**
